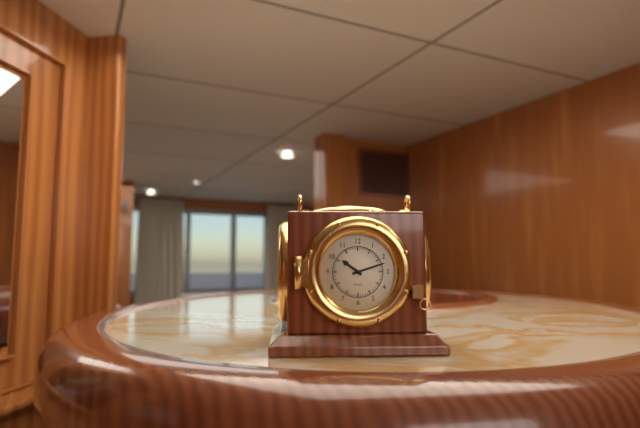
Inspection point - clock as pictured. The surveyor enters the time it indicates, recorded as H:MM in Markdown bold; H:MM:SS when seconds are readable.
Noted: **10:12**
